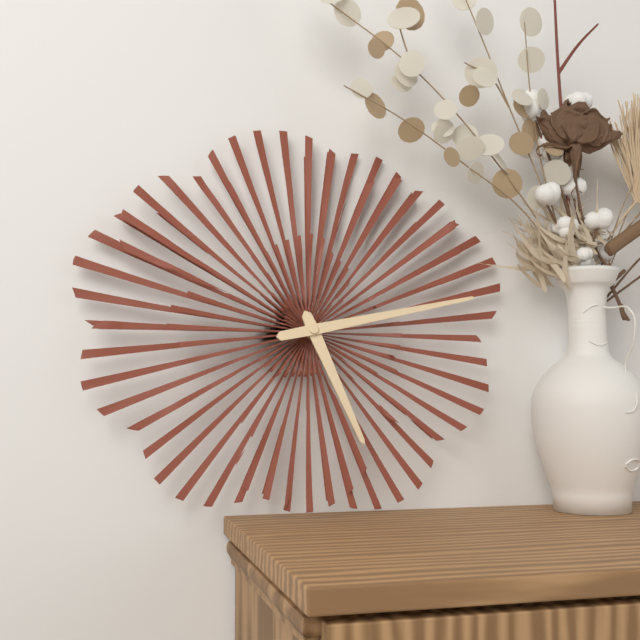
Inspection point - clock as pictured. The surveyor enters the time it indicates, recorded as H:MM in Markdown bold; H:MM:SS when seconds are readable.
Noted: **5:13**
